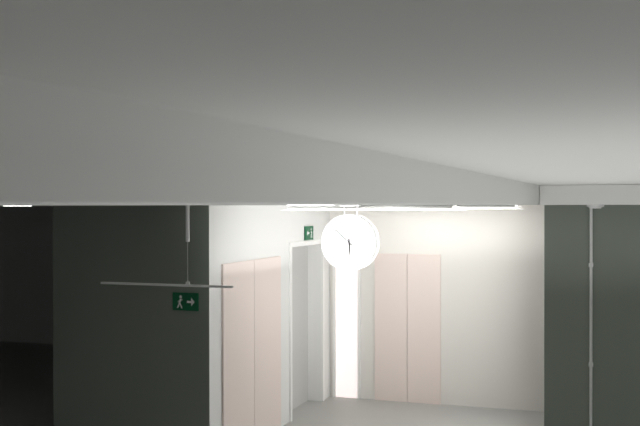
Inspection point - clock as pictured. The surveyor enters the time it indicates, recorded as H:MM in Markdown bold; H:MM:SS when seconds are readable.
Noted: **5:52**
